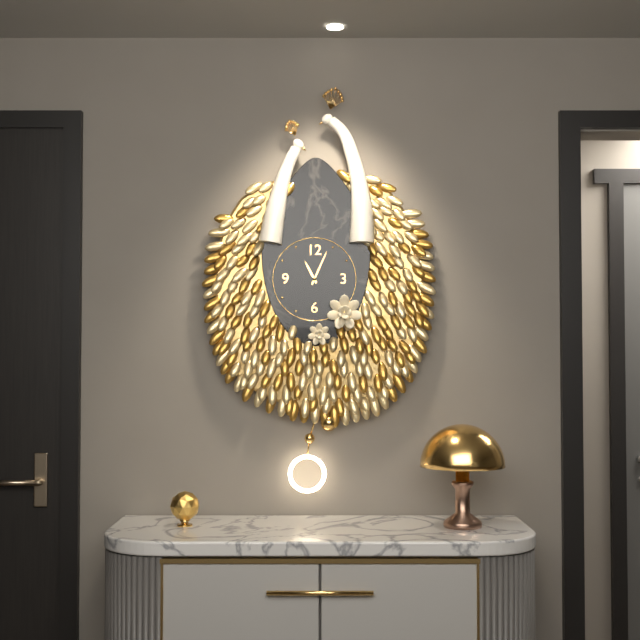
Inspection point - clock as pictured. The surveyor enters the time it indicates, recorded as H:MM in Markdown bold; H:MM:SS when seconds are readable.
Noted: **11:04**
